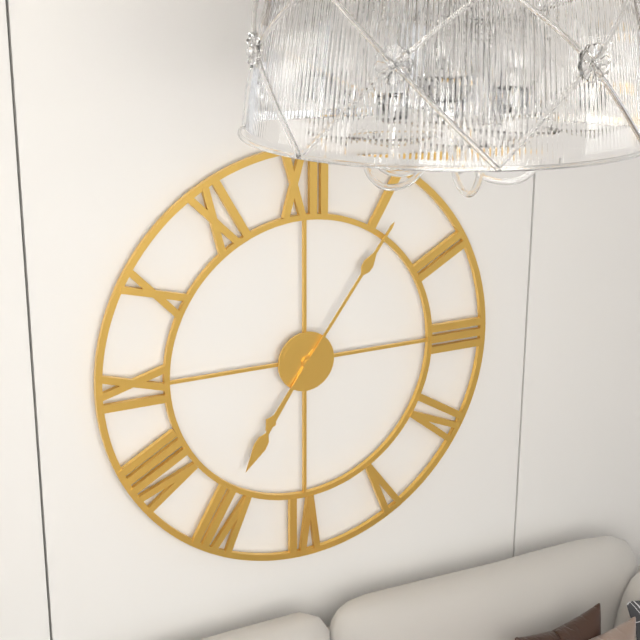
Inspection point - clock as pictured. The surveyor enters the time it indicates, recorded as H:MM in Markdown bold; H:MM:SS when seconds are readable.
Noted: **7:06**
